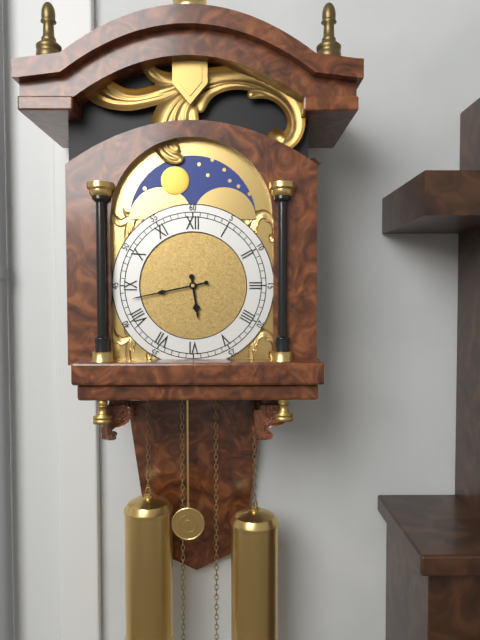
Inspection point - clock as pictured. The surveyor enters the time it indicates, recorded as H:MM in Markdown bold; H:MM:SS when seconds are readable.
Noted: **5:43**
